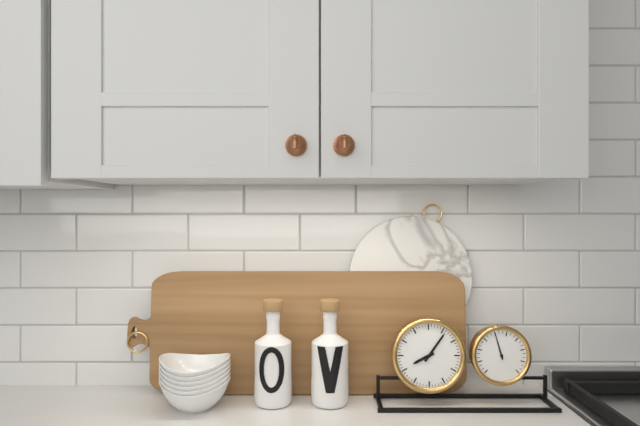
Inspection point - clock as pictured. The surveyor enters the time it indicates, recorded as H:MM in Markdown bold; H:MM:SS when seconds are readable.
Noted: **8:06**
